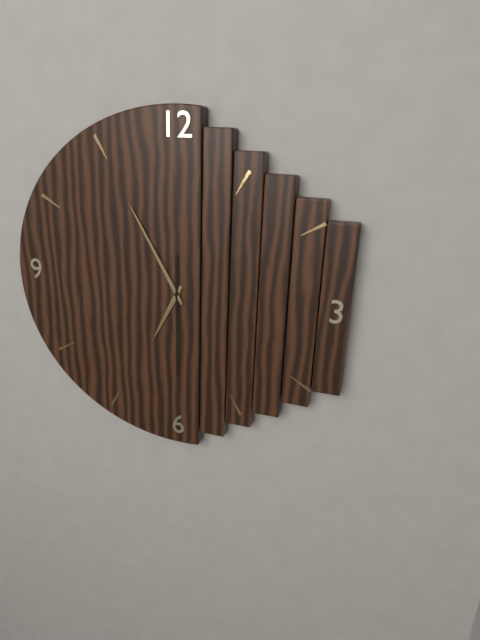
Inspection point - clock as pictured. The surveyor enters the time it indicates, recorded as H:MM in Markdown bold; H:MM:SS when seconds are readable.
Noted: **6:55:30**
